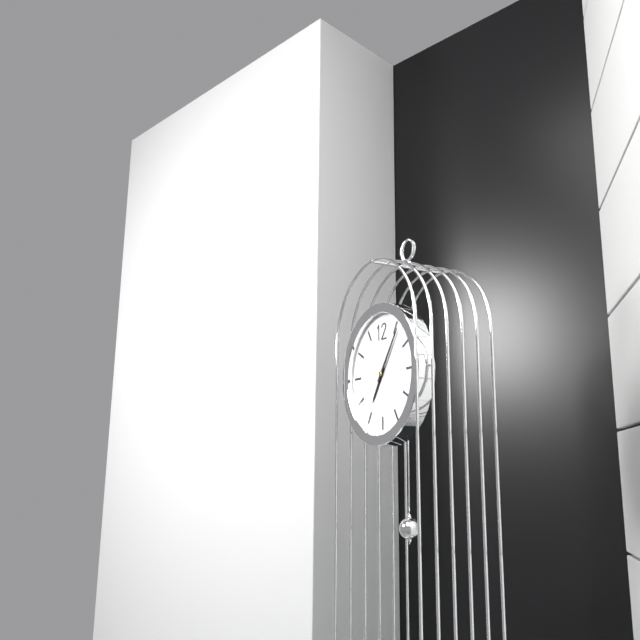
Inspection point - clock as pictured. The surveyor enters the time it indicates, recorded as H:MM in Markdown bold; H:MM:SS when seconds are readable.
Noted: **7:06**
